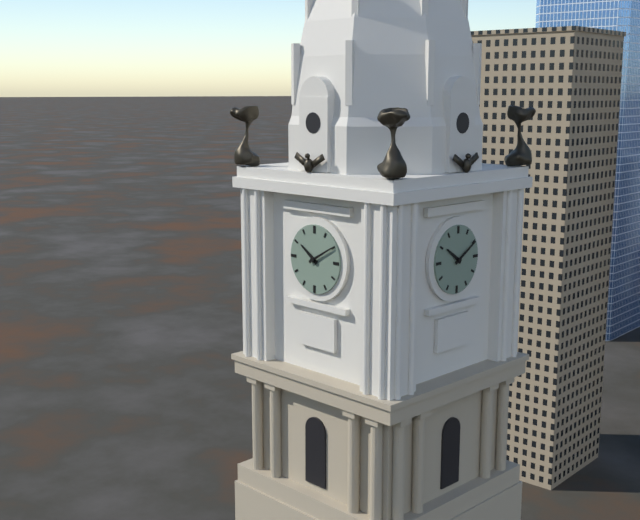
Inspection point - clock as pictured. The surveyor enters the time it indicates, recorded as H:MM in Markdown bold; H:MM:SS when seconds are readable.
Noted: **10:10**
